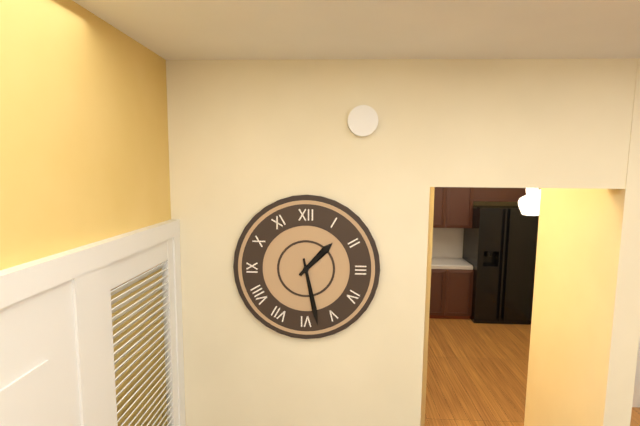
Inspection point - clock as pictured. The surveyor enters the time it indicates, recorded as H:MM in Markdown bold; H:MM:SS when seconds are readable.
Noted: **1:28**
